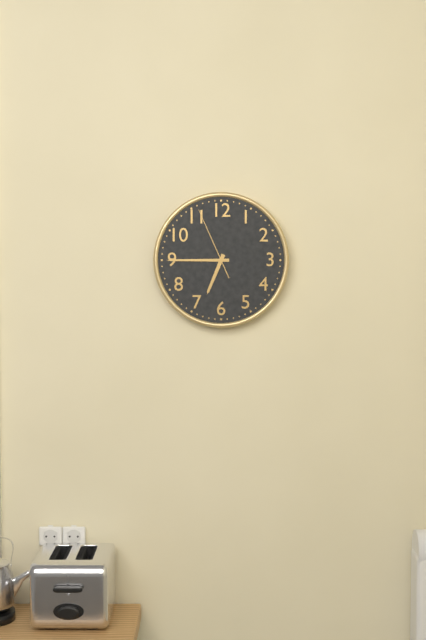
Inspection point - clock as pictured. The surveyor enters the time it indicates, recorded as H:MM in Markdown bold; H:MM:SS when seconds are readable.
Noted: **6:45:56**
